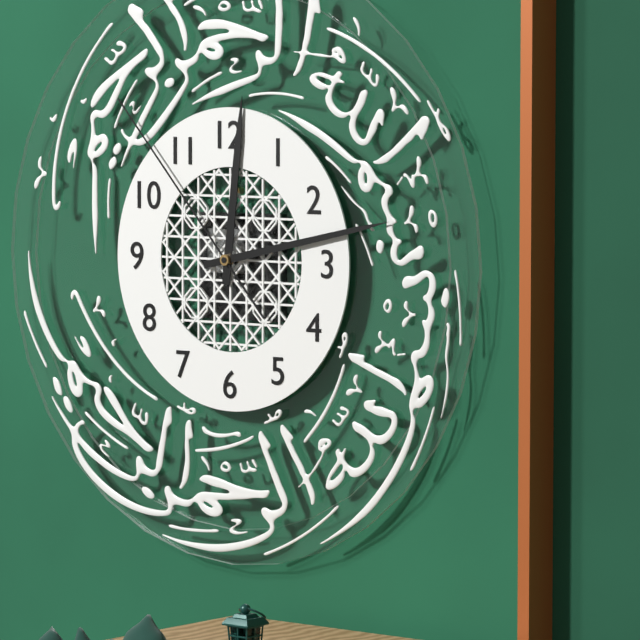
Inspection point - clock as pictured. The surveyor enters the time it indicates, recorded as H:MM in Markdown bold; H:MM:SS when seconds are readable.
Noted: **12:13:53**
